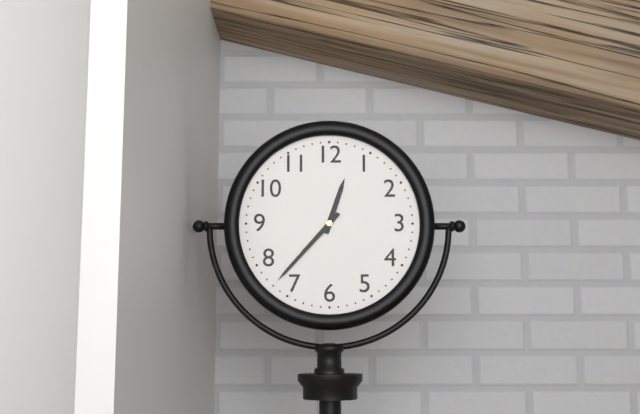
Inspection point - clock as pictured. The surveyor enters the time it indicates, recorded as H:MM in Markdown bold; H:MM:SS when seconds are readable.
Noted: **12:37**
